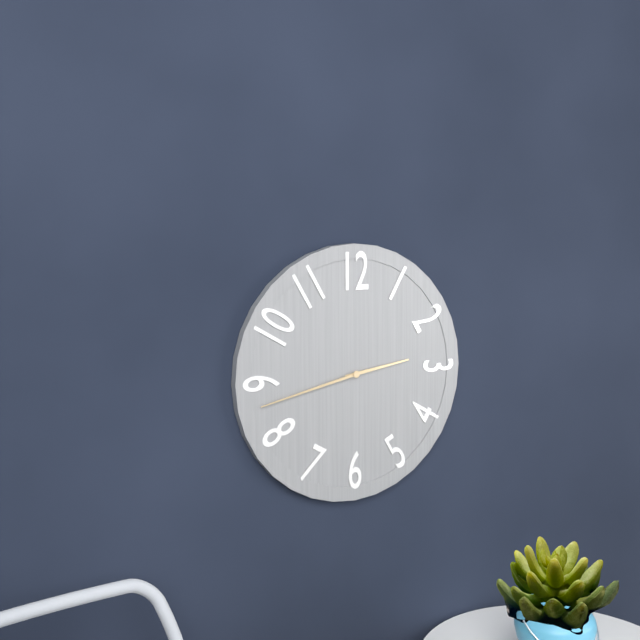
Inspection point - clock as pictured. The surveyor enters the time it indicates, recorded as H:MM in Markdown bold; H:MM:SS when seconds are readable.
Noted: **2:43**
